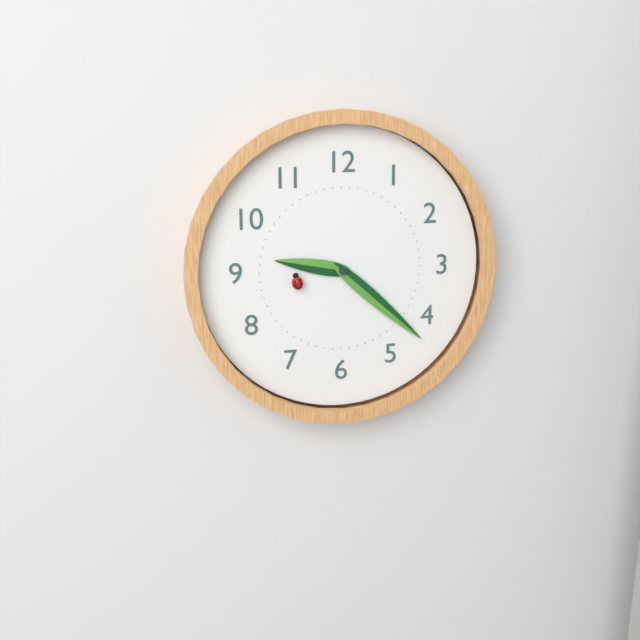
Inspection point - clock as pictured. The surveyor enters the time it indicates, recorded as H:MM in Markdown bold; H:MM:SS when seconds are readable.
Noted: **9:22:43**
